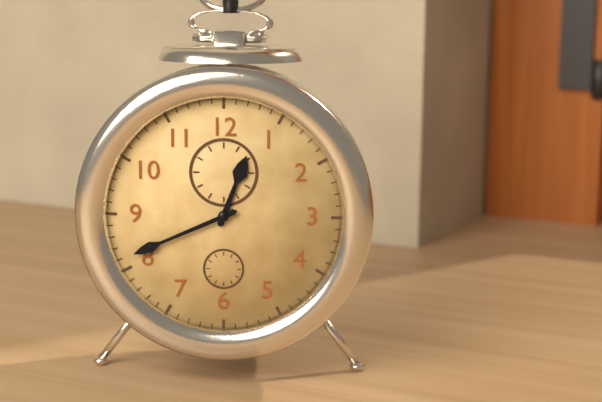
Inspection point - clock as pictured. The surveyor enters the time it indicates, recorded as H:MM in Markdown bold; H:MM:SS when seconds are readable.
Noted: **12:41**
